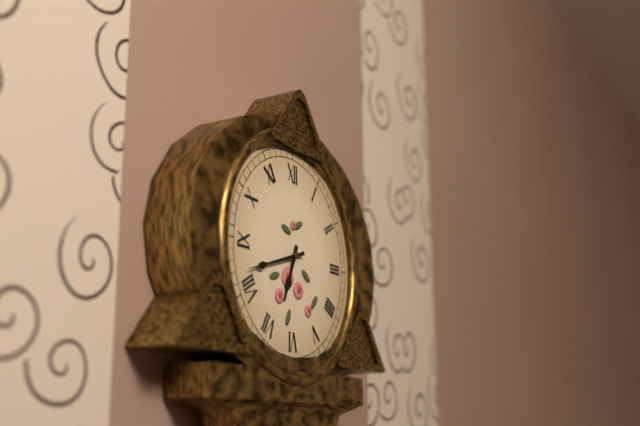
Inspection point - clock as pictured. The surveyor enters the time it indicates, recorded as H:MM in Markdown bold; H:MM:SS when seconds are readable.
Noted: **6:42**
